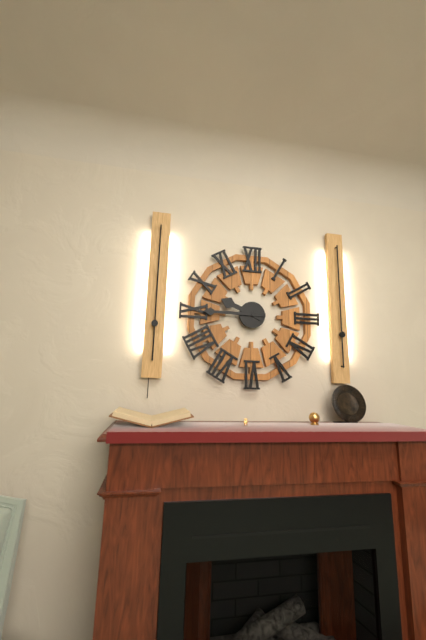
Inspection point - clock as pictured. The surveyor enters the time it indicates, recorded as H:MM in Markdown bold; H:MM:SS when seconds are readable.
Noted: **9:45**
